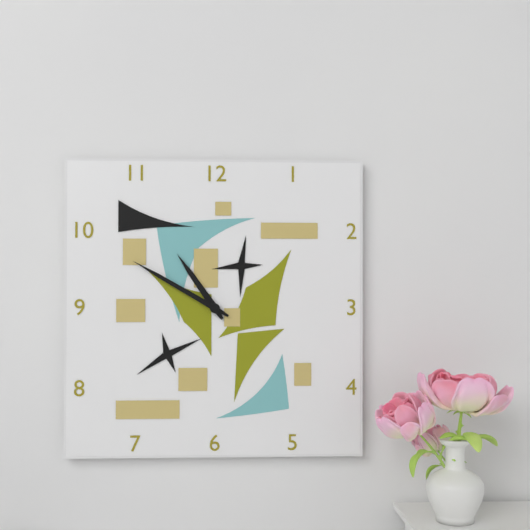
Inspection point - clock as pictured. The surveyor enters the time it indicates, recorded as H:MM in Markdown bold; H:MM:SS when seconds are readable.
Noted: **10:50**
